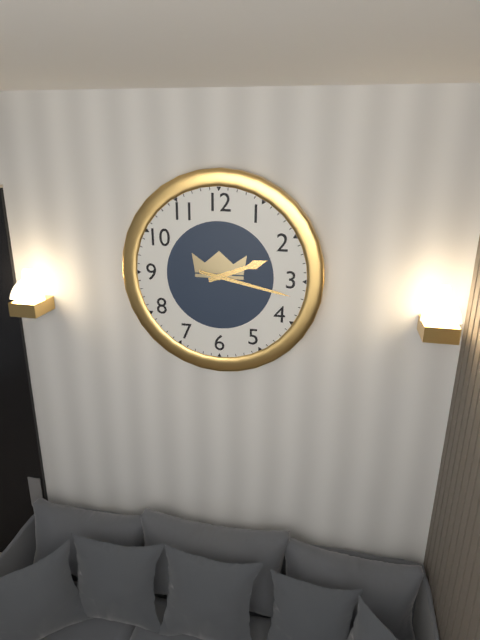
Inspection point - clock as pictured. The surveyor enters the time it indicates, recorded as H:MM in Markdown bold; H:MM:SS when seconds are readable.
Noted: **2:17**
